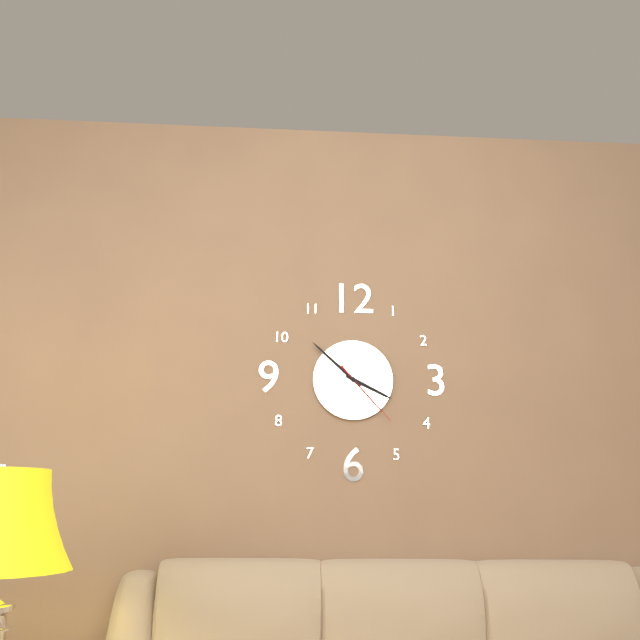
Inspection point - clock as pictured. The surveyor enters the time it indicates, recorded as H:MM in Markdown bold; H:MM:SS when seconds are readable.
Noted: **3:52:23**
